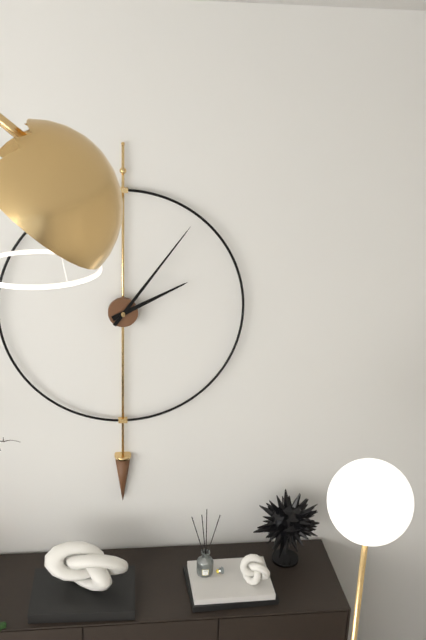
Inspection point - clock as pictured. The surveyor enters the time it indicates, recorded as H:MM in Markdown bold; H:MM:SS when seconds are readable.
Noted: **2:06**
